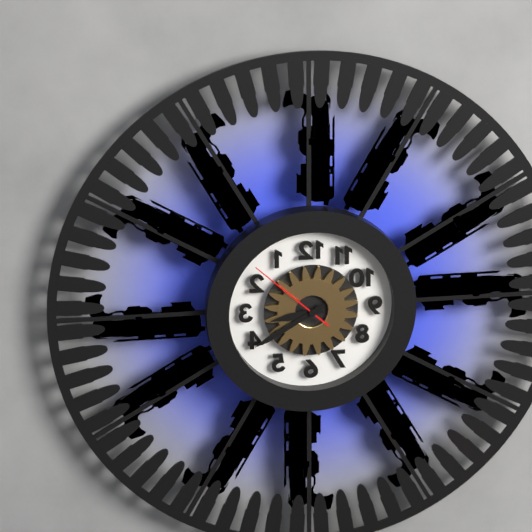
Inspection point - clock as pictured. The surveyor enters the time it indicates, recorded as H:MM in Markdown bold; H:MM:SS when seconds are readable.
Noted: **8:40:52**
